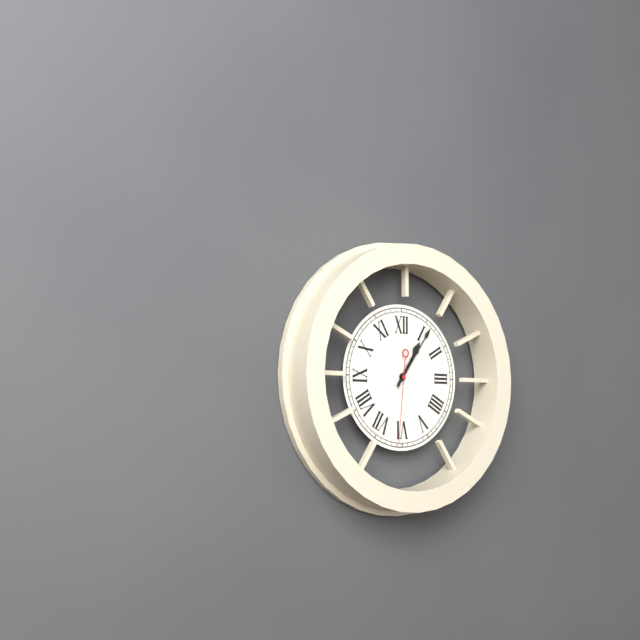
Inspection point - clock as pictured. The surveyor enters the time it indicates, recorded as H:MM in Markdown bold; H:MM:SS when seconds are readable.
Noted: **1:06:31**
